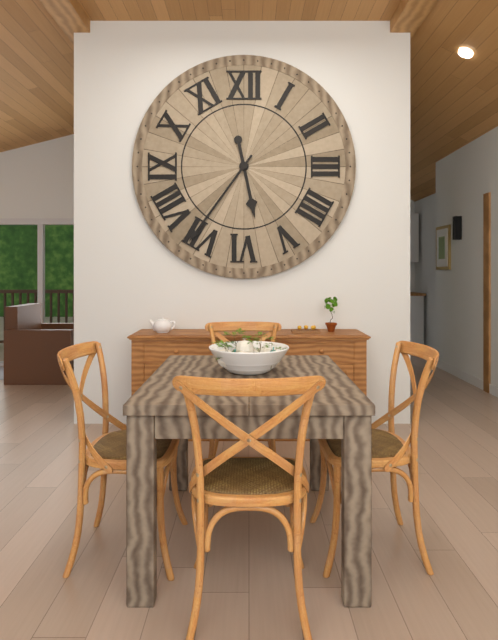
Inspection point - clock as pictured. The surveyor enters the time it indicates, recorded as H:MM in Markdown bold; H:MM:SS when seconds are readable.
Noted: **5:36**
